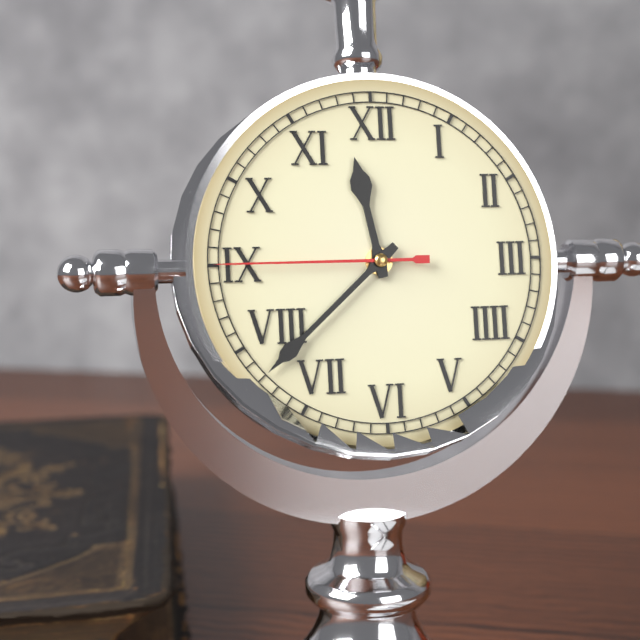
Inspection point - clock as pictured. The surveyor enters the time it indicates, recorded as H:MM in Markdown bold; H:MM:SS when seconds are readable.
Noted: **11:38:45**
